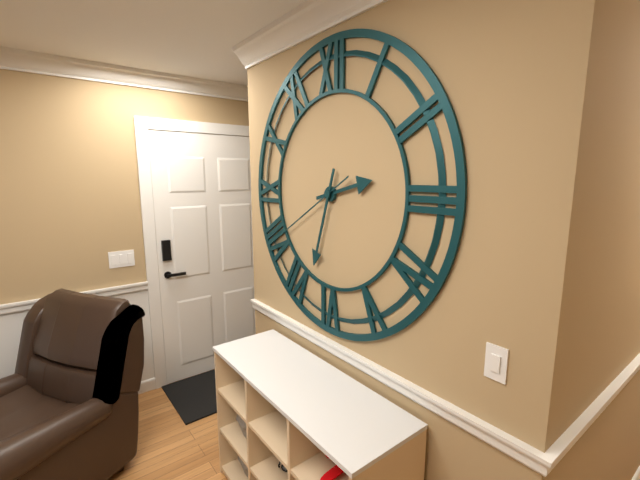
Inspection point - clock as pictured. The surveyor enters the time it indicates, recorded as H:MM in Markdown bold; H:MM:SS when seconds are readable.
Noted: **2:33:40**
